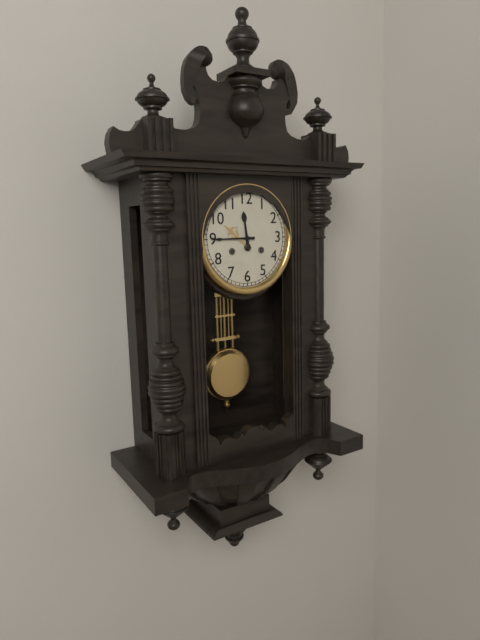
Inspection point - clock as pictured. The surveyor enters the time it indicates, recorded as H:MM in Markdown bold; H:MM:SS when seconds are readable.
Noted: **11:45**
